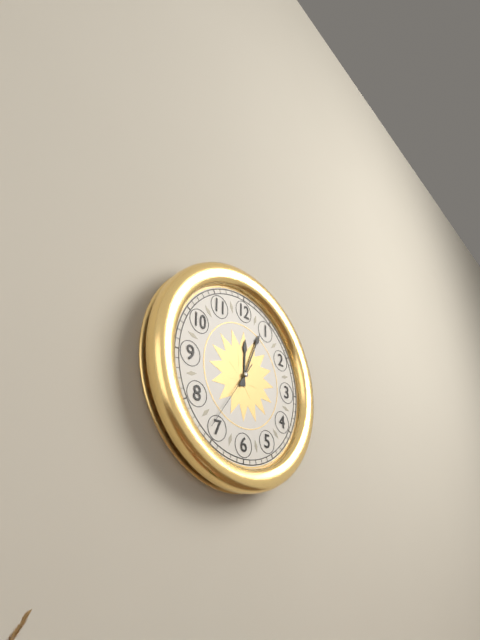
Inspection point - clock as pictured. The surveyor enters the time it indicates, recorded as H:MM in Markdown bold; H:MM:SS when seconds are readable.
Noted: **12:04:36**
